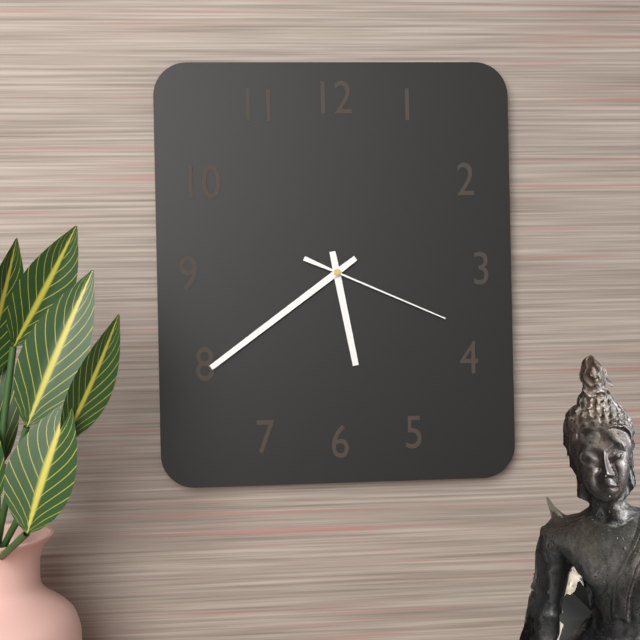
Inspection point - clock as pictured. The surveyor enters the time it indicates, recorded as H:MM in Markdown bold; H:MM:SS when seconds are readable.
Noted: **5:39:19**
